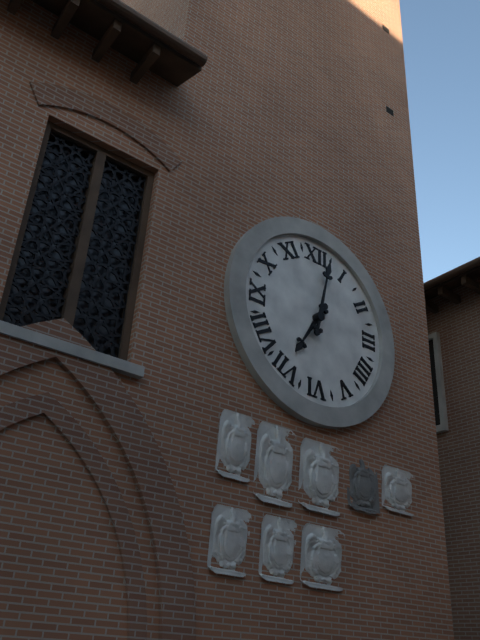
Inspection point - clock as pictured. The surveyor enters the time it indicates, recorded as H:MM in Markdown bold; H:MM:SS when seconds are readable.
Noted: **7:02**
